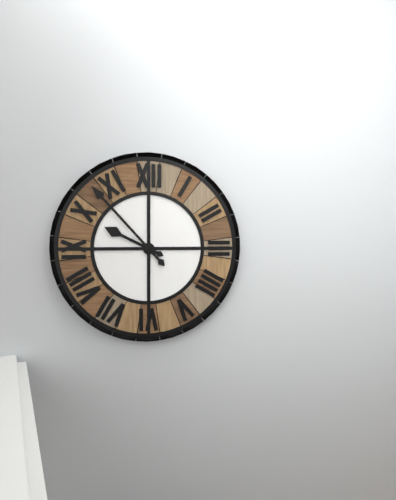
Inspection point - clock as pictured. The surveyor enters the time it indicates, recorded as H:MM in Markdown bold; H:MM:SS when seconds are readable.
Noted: **9:53**
